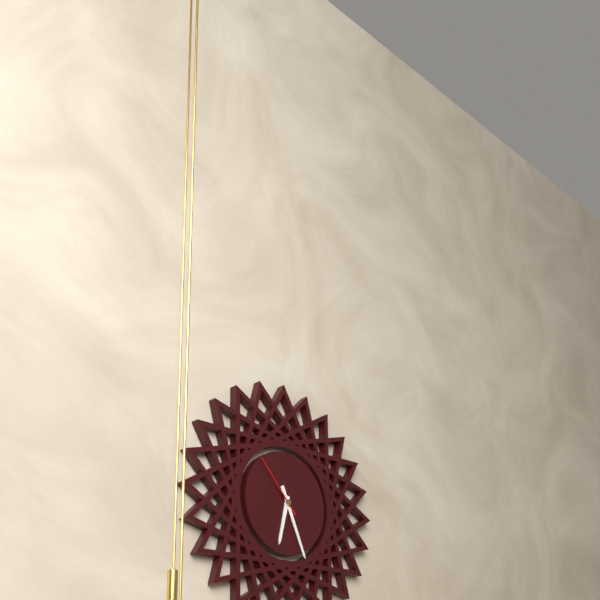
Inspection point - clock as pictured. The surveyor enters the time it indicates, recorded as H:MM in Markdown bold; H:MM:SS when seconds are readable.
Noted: **6:26:53**
